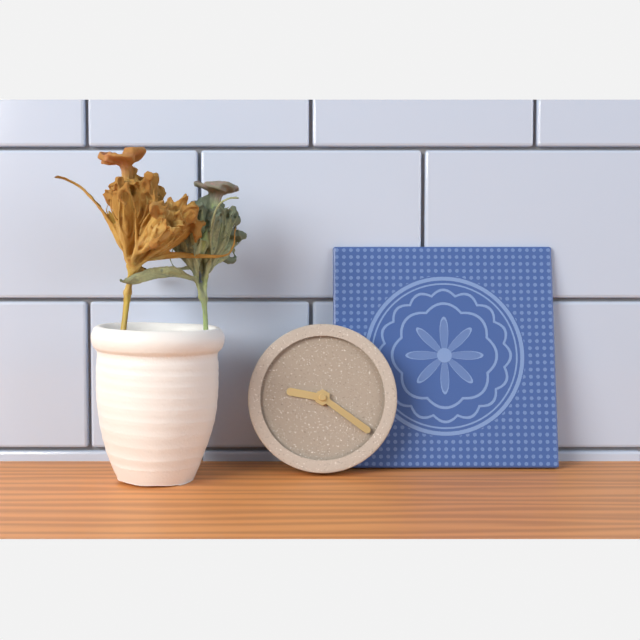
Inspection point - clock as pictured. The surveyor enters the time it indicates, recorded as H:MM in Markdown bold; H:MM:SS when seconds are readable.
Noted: **9:21**
